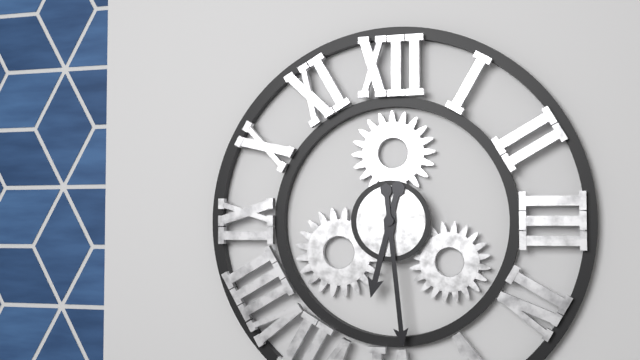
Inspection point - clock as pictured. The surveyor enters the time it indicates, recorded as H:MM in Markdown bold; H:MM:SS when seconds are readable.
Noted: **6:29**
